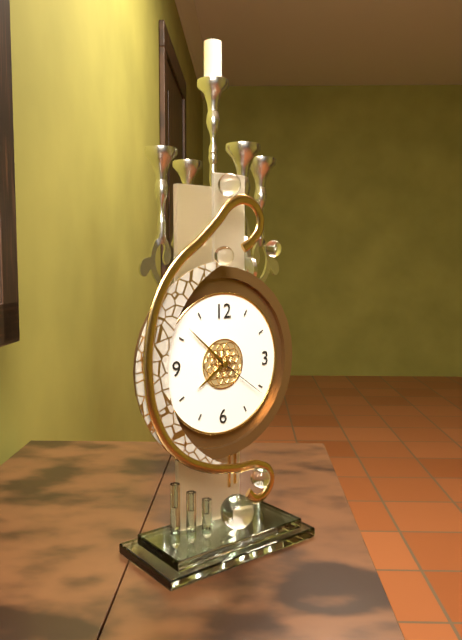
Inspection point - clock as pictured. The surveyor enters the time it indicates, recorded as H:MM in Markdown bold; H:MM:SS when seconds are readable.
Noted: **7:52:21**
